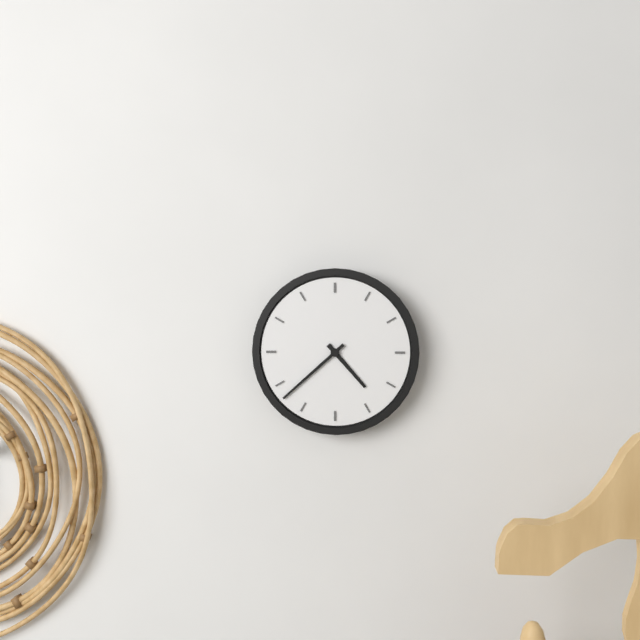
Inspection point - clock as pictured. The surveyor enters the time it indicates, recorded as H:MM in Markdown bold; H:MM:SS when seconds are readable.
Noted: **4:38**
